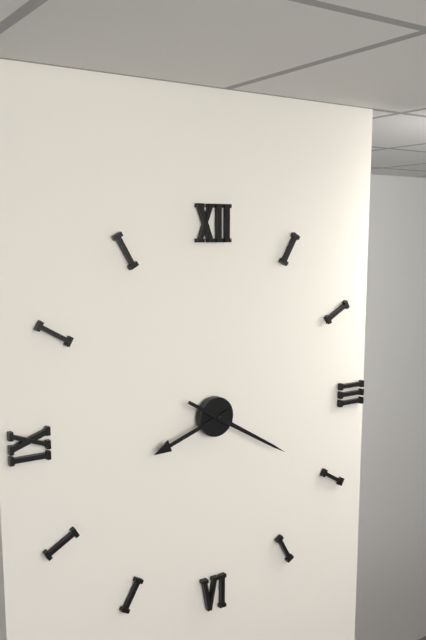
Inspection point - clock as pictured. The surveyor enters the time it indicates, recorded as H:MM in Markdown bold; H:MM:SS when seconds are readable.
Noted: **8:20**
